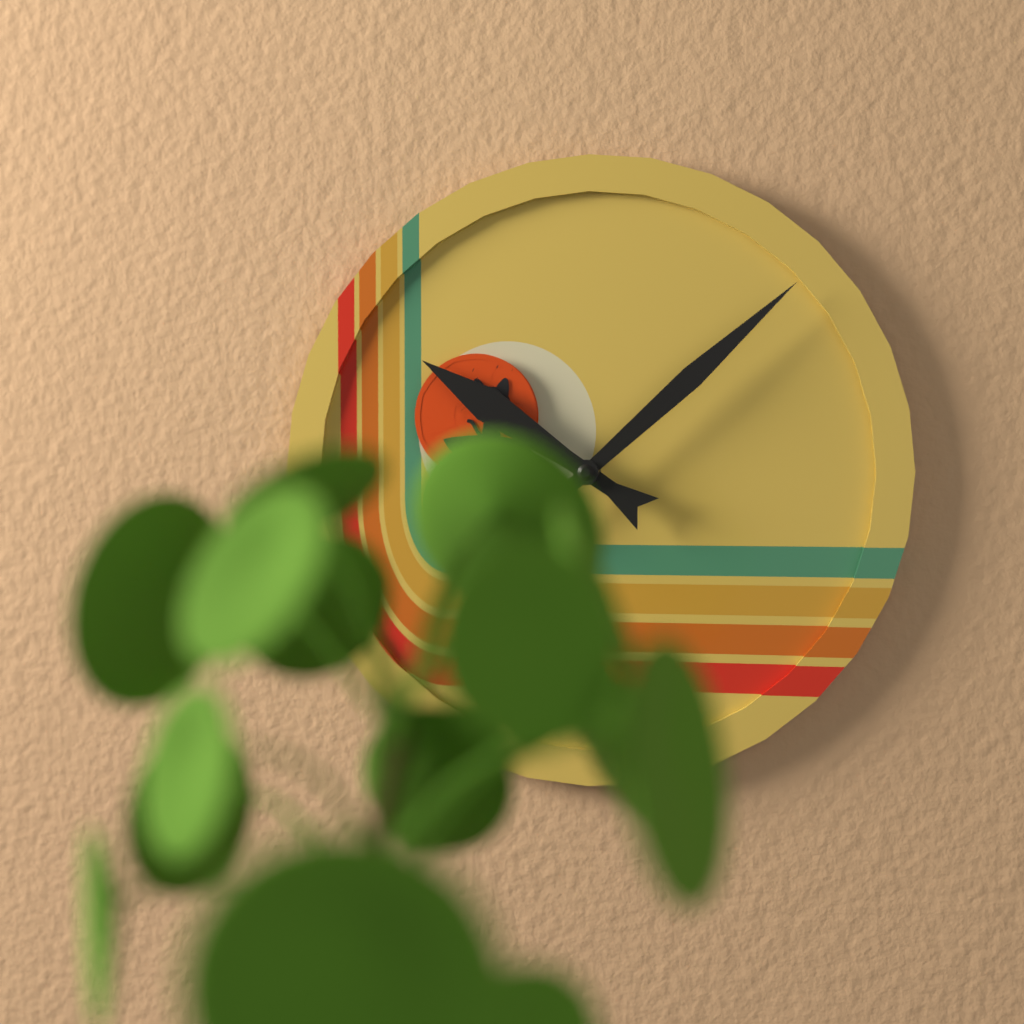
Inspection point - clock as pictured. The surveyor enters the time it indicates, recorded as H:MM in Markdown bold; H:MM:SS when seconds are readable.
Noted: **10:08**
